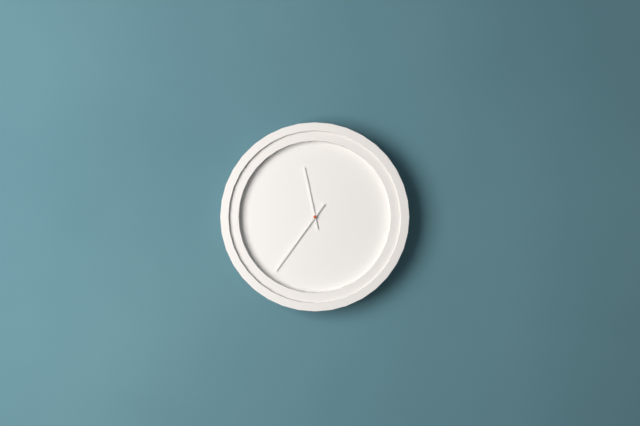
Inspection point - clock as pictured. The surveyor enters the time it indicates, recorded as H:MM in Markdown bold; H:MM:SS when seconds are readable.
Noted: **11:36**
